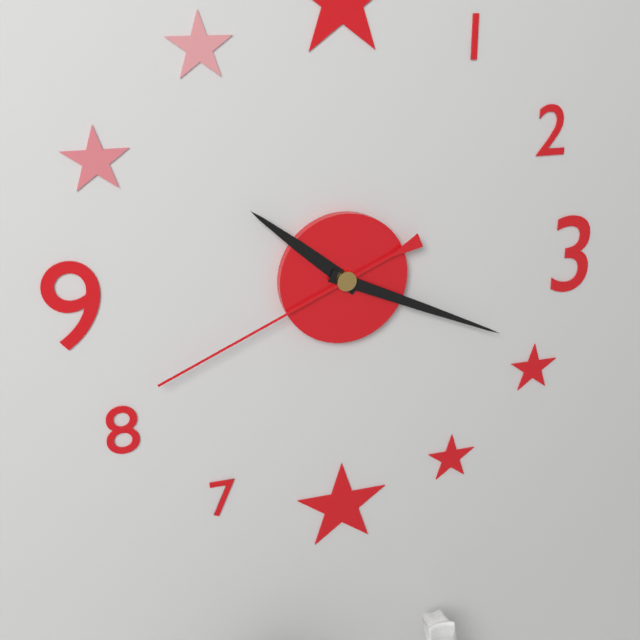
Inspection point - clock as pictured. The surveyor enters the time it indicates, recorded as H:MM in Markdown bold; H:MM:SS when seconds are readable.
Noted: **10:19:41**
